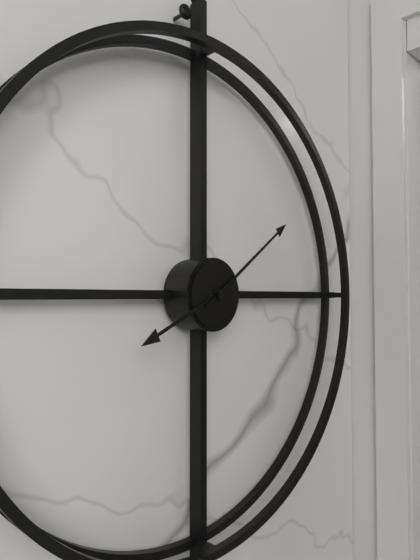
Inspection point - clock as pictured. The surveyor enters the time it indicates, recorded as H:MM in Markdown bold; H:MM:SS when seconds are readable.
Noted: **8:09**
